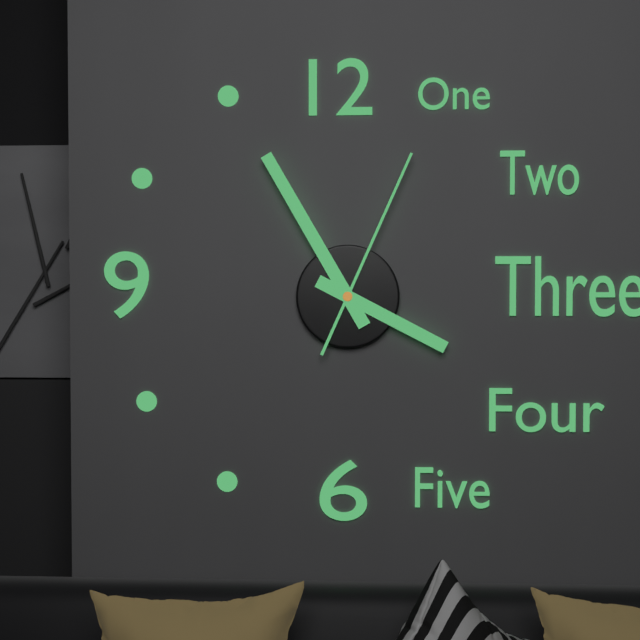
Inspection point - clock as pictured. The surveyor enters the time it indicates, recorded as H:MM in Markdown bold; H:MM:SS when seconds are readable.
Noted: **3:55:04**
